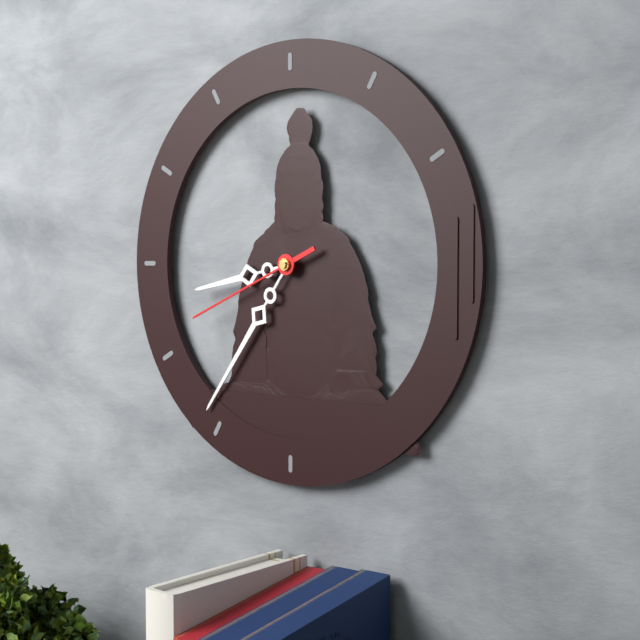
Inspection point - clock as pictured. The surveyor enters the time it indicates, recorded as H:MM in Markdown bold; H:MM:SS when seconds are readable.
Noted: **8:36:41**
